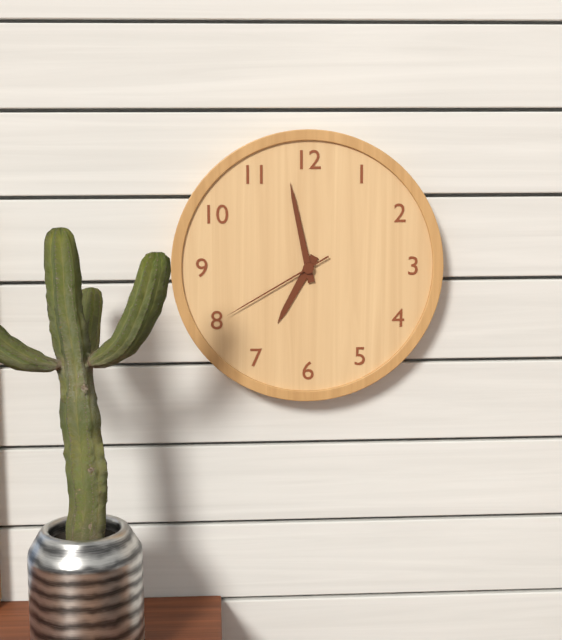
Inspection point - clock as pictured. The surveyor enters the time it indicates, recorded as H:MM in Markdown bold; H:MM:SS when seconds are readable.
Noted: **6:58:40**
